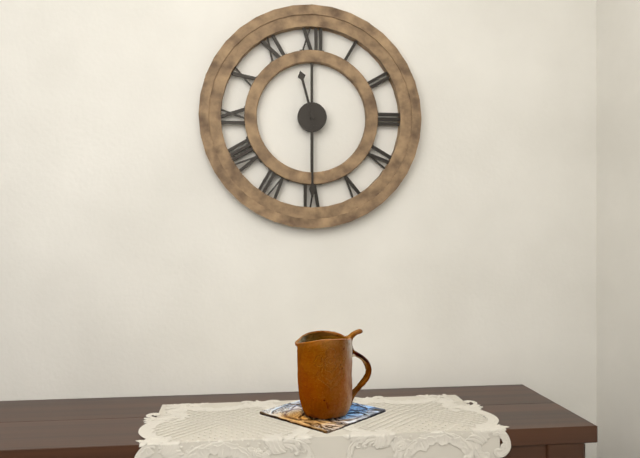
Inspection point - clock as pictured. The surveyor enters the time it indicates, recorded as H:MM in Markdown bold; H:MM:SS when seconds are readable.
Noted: **11:30**
